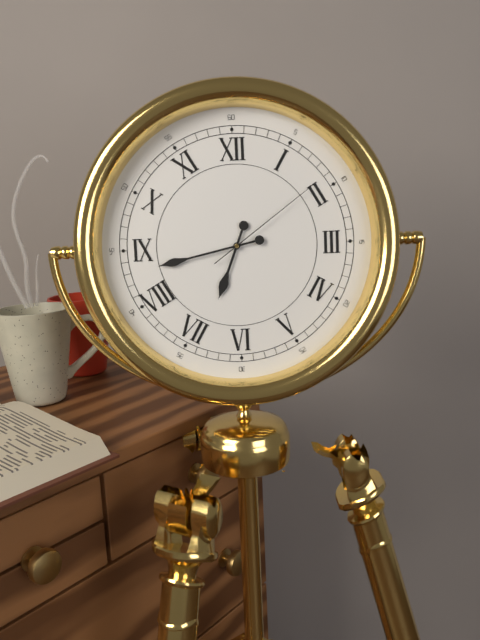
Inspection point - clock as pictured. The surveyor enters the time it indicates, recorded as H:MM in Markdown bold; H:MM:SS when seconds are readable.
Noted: **6:43:09**
